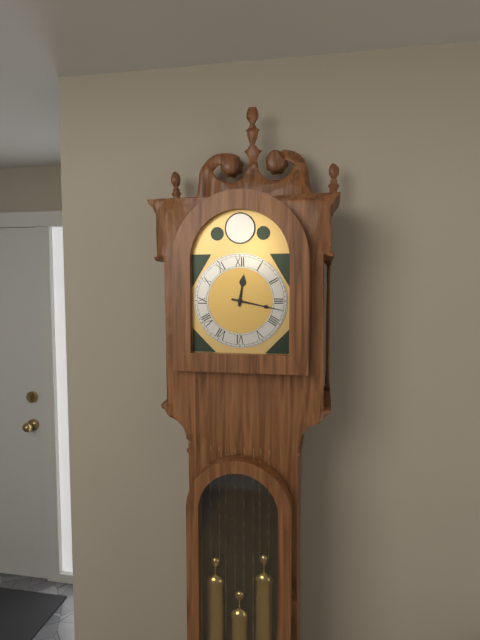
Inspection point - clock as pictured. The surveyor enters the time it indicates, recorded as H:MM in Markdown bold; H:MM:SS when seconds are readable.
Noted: **12:17**
